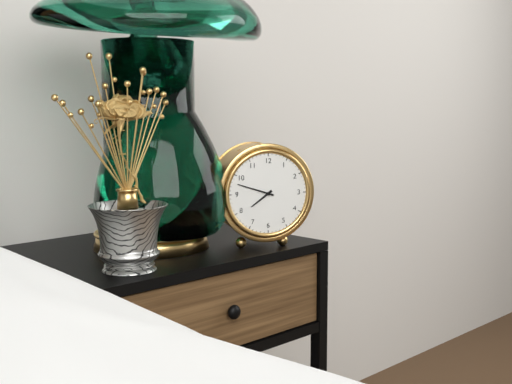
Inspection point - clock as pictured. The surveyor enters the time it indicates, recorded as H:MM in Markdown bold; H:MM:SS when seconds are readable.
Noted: **7:48**
